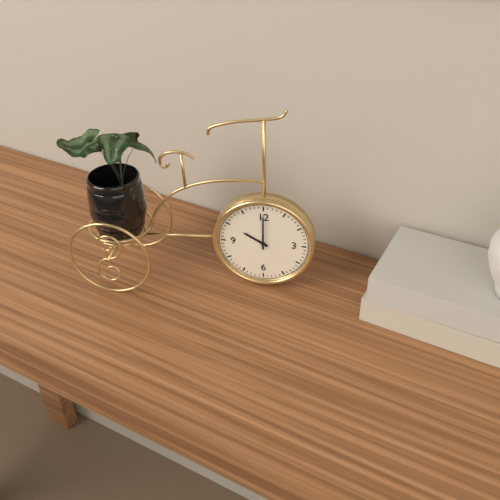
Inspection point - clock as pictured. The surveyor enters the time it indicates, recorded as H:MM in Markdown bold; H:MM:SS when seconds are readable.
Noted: **10:00**
